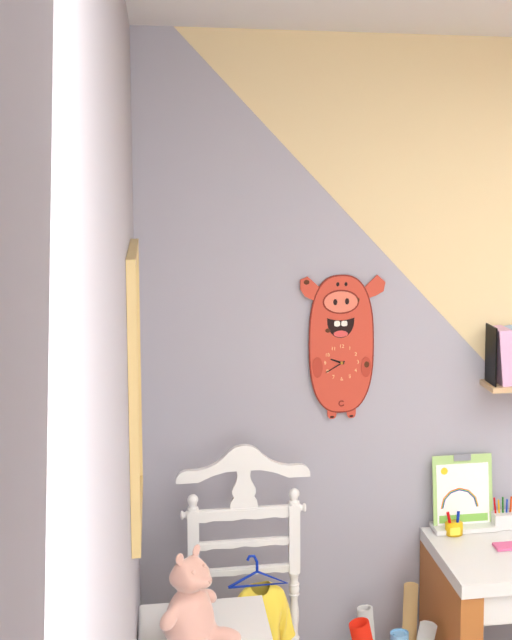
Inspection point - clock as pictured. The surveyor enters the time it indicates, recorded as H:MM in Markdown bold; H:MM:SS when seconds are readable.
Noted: **9:40**
